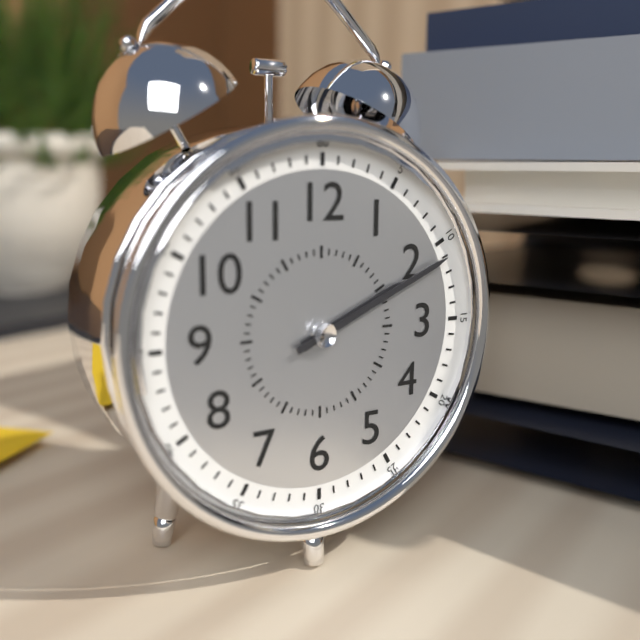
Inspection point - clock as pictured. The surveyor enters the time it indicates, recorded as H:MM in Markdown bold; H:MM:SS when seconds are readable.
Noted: **2:11**
